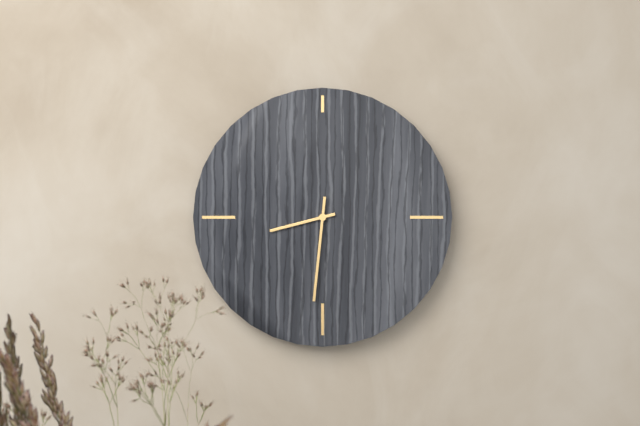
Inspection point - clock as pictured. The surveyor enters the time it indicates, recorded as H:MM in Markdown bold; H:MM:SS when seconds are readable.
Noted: **8:31**
